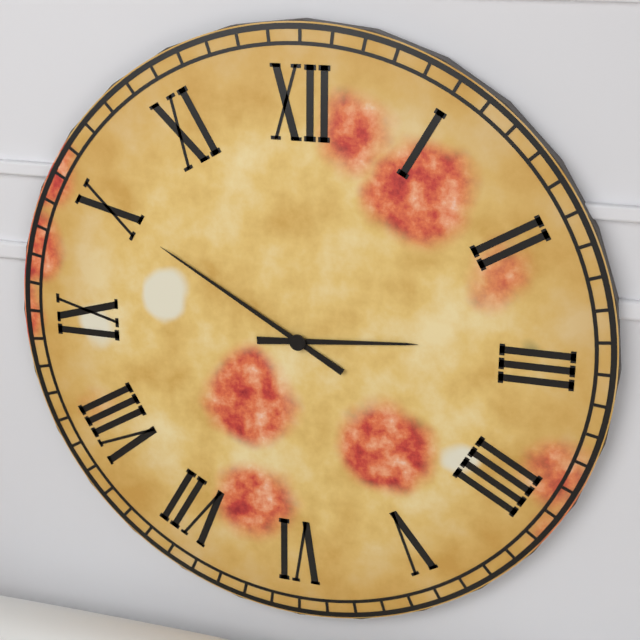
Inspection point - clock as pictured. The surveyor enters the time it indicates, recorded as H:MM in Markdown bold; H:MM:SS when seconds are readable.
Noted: **2:50**
